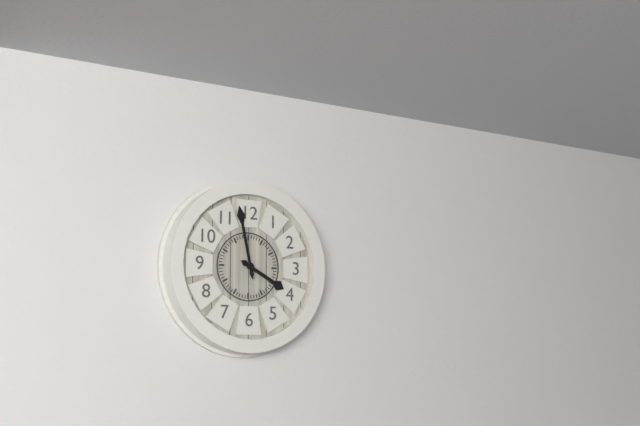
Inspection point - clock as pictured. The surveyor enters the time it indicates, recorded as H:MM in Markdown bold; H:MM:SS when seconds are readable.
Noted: **3:58**
